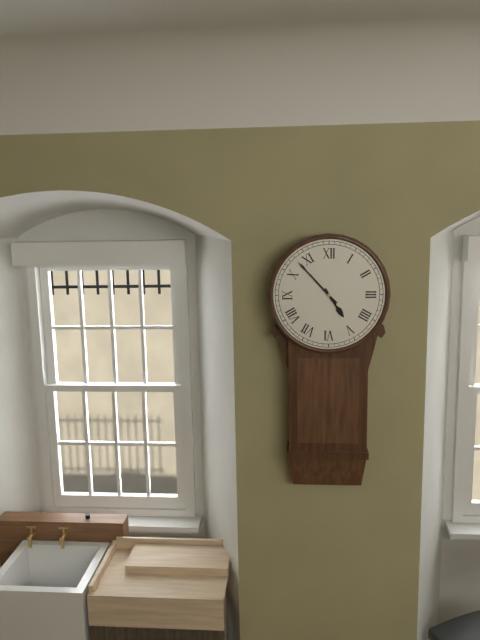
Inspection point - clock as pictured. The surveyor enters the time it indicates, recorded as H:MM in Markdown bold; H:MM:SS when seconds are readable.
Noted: **4:53**
